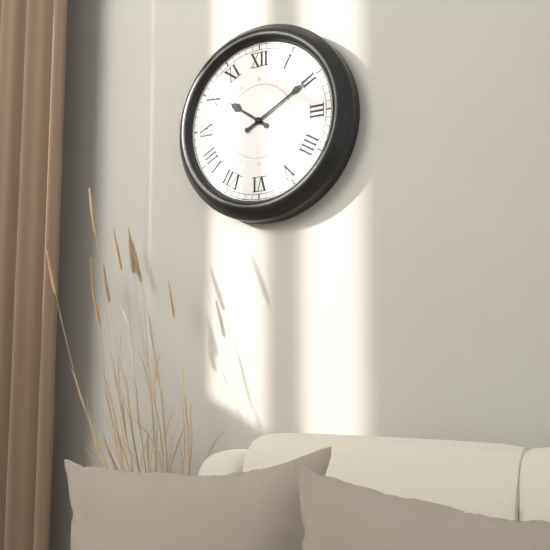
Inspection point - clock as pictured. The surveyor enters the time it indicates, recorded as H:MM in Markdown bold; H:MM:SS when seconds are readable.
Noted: **10:10**
